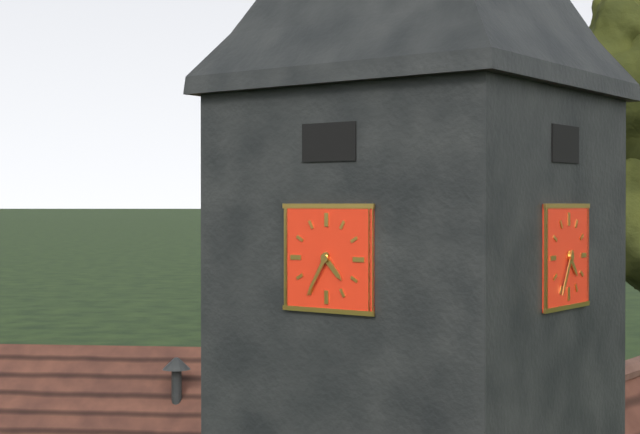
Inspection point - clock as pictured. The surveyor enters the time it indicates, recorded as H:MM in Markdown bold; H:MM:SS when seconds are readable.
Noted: **4:35**
